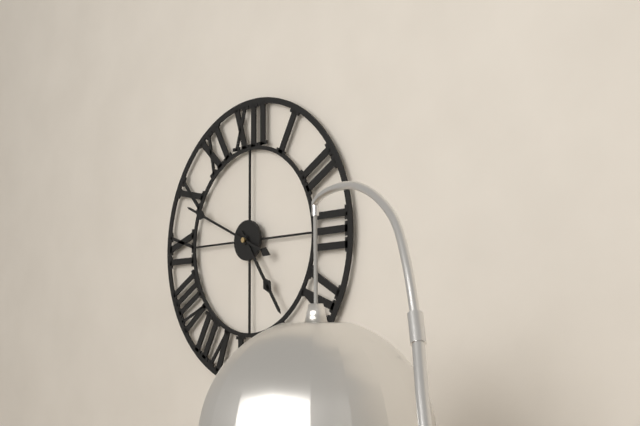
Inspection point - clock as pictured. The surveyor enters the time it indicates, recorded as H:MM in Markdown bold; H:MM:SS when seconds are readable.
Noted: **4:49**
